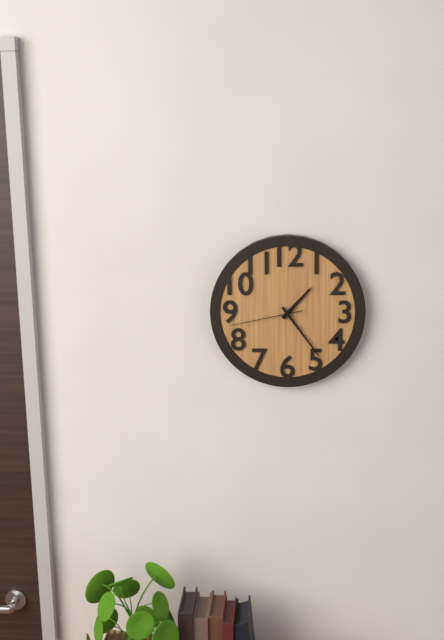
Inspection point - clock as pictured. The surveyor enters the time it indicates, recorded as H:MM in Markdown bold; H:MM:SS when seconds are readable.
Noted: **1:24:43**
